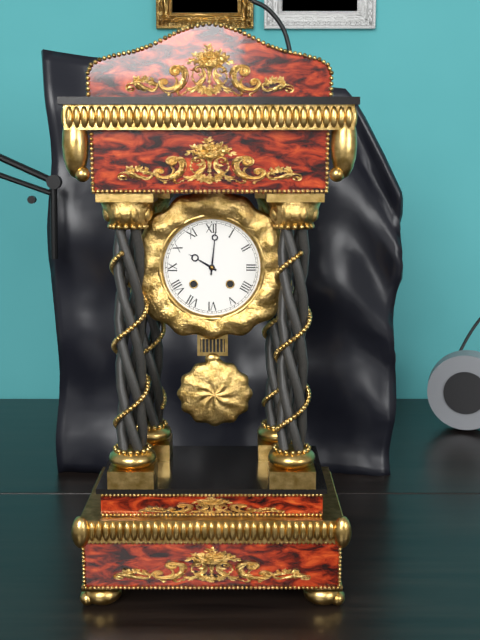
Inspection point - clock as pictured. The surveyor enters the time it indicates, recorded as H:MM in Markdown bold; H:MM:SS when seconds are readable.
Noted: **10:01**
